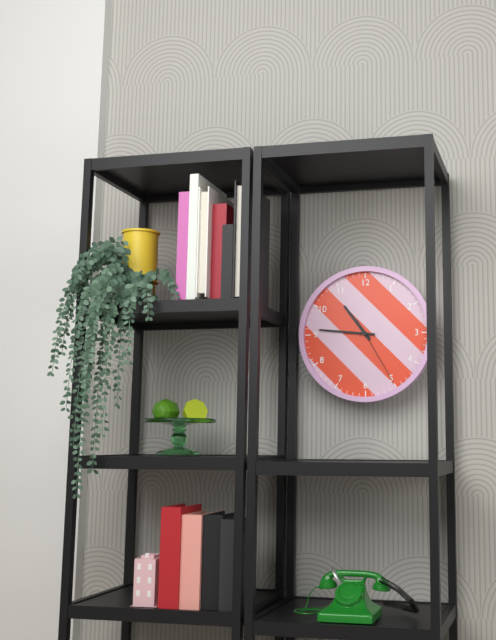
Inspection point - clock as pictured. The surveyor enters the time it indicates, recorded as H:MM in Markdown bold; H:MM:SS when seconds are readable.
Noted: **10:46:25**
